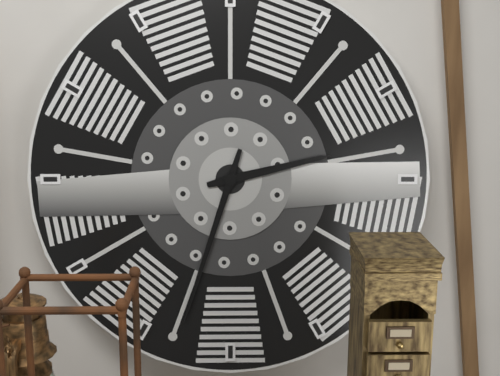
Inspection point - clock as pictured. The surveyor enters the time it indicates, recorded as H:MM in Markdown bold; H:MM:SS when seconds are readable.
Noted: **2:33**
